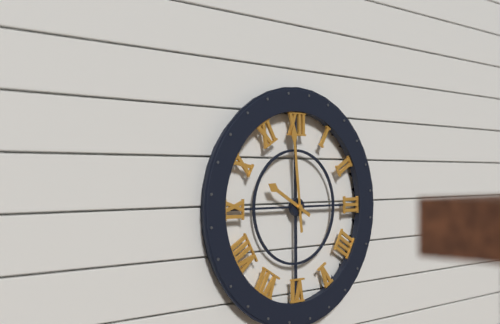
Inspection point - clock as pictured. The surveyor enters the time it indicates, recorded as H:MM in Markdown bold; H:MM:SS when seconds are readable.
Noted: **9:59**
